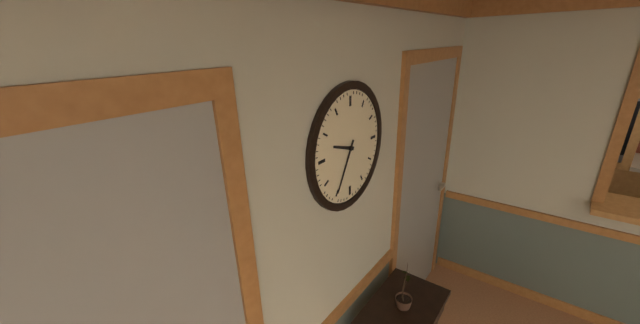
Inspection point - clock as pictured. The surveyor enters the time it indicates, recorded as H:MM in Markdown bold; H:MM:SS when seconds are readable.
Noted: **9:35**
